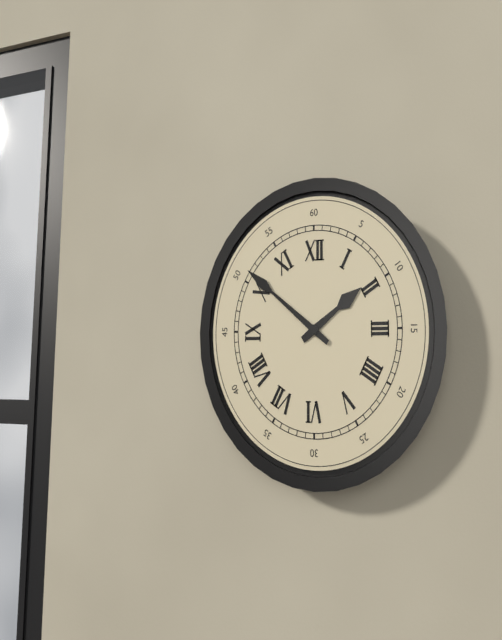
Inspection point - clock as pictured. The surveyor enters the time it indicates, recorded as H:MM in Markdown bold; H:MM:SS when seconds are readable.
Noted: **1:51**
